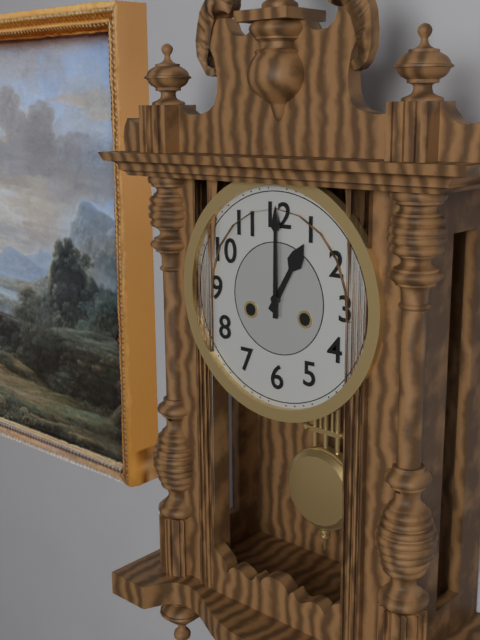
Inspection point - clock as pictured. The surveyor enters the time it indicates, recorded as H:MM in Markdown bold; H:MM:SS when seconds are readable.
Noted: **1:00**
